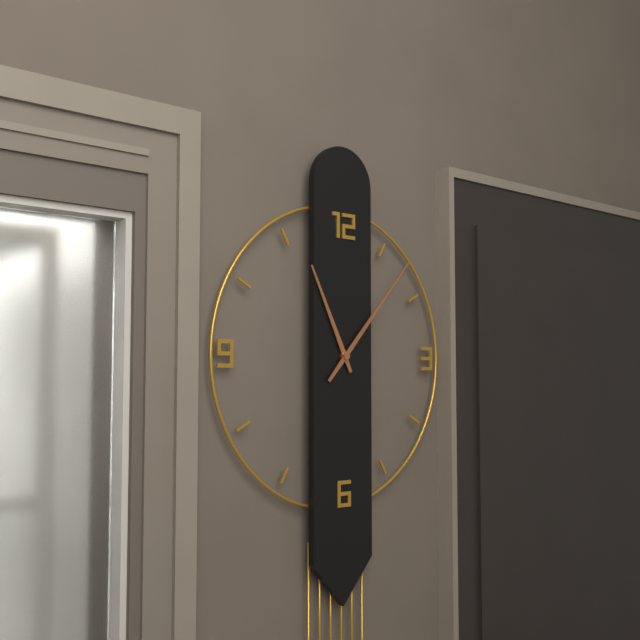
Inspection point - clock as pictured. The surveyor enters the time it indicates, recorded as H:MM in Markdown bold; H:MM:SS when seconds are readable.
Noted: **11:07**
